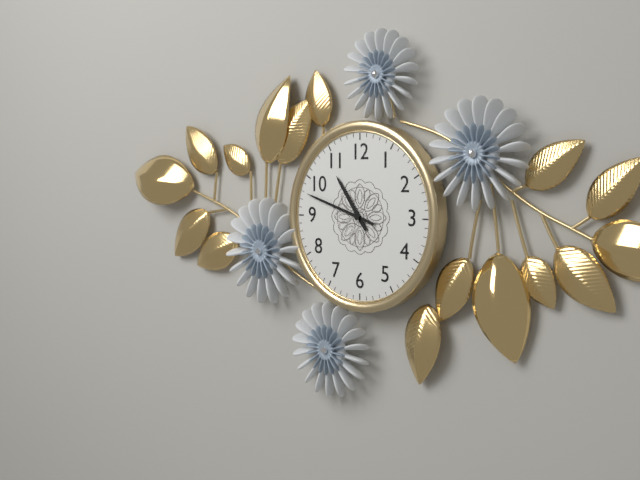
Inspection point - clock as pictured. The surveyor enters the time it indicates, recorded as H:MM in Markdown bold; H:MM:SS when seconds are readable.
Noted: **10:48**
